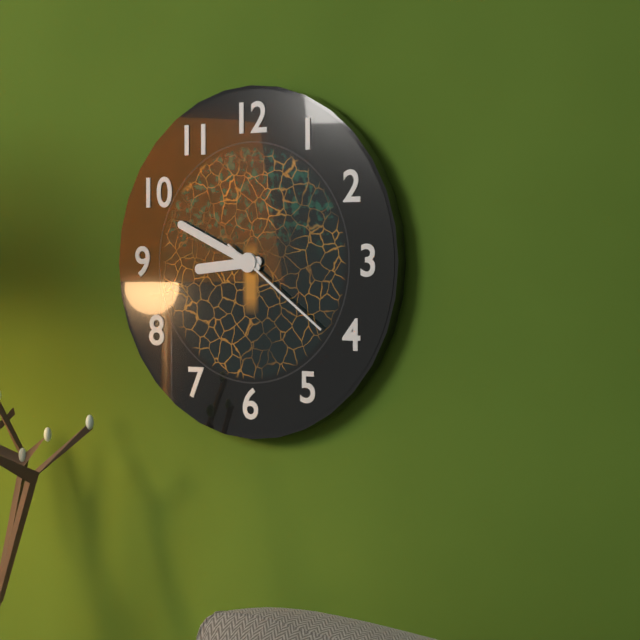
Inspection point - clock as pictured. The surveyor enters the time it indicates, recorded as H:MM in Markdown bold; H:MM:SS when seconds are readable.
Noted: **8:49:21**
